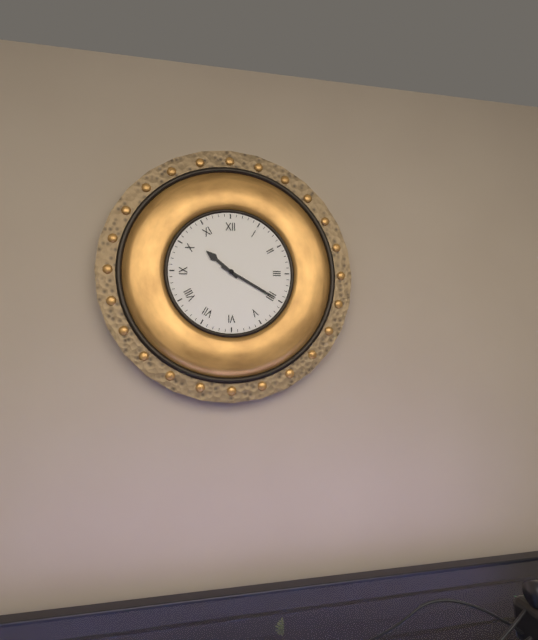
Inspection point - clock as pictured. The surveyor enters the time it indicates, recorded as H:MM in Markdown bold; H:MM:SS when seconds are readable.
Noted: **10:20**
